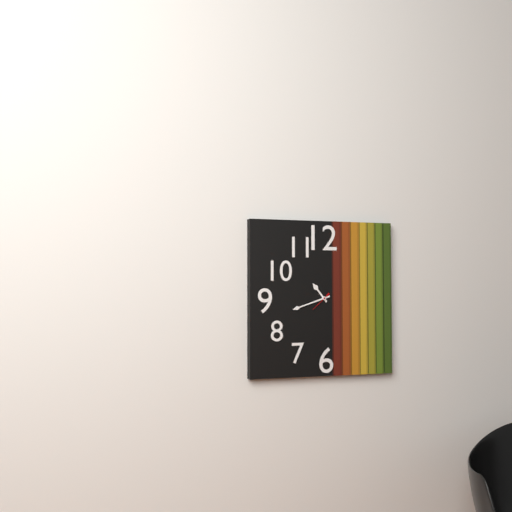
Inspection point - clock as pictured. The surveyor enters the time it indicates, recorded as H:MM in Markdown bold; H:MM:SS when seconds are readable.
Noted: **10:42**
